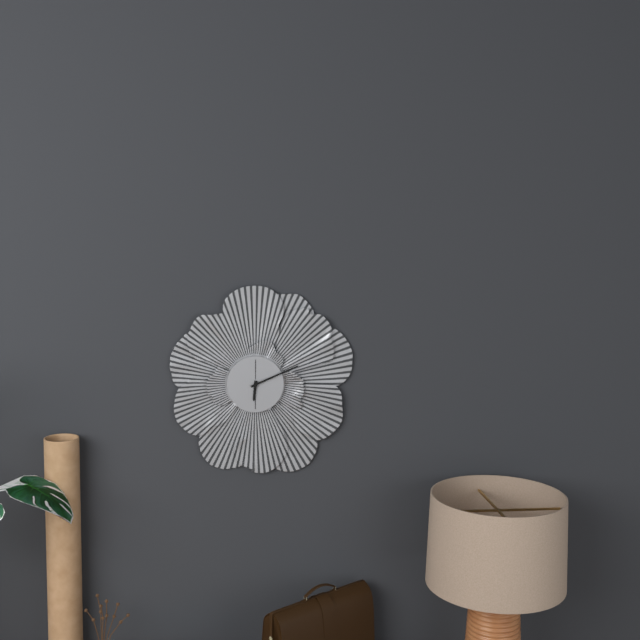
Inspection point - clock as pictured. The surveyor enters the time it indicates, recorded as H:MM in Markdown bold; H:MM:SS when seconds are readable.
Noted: **6:11**
